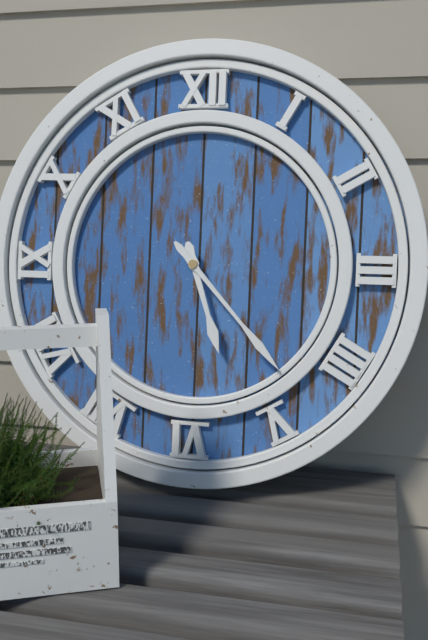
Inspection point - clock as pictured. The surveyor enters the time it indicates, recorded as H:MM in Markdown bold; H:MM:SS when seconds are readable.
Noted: **5:23**
